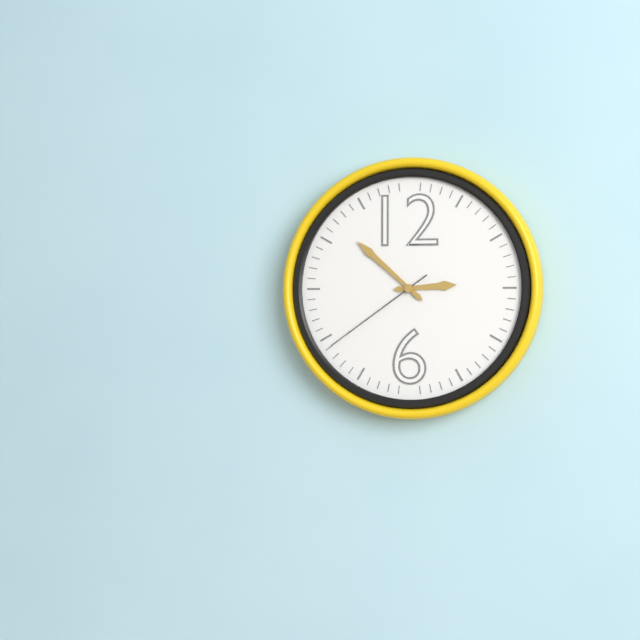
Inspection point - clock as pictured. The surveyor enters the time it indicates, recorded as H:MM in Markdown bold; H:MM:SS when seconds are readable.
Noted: **2:52:39**
